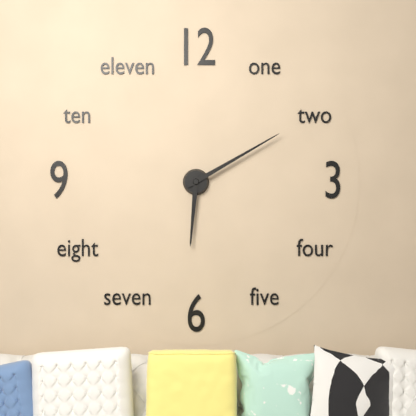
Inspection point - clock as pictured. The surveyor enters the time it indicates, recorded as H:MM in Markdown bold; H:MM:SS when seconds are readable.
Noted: **6:10**
